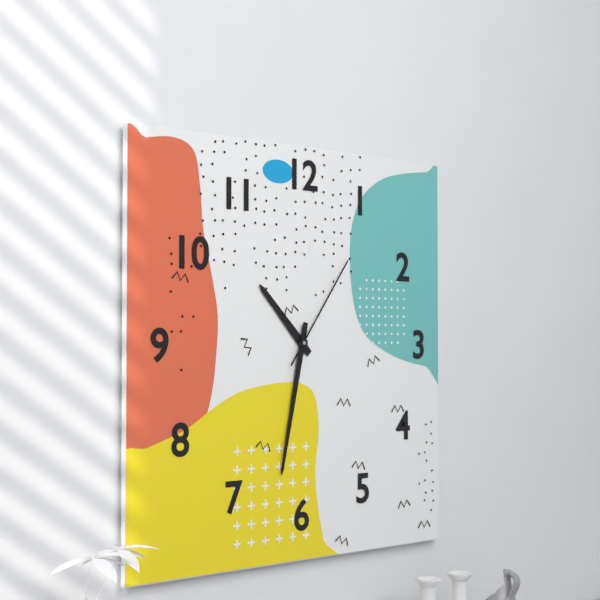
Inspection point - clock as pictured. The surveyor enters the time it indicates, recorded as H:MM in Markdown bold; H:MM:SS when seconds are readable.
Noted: **10:32:06**
